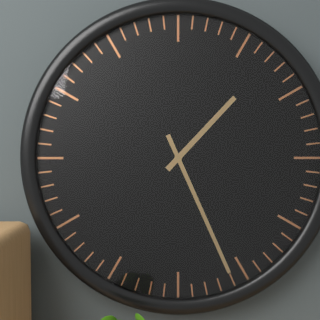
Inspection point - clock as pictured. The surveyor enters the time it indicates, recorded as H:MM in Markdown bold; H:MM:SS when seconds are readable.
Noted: **1:26**
